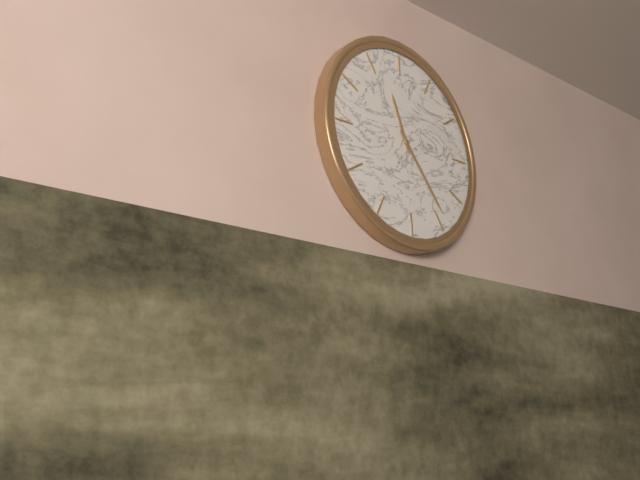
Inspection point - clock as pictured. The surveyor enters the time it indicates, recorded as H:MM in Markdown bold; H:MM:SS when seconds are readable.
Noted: **11:24**
